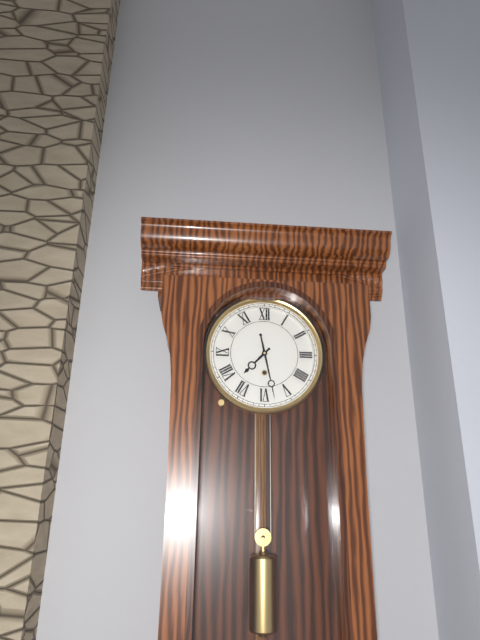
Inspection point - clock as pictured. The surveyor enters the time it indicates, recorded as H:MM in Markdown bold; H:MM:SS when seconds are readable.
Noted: **7:28**
